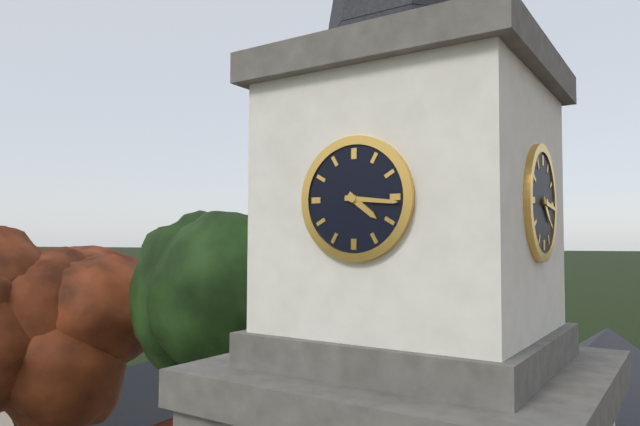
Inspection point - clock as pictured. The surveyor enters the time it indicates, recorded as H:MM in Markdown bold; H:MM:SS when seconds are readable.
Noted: **4:16**
